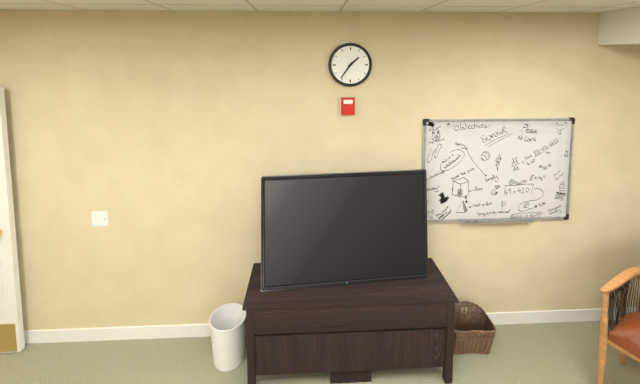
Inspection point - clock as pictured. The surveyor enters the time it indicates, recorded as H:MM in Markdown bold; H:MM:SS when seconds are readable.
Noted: **1:36**
